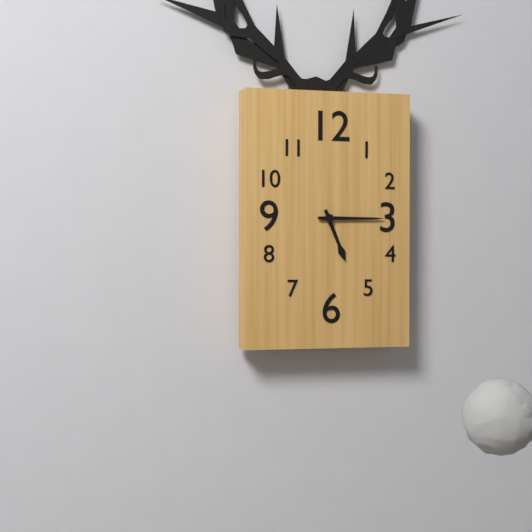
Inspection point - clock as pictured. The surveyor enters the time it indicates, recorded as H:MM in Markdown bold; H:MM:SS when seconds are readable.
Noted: **5:15**
